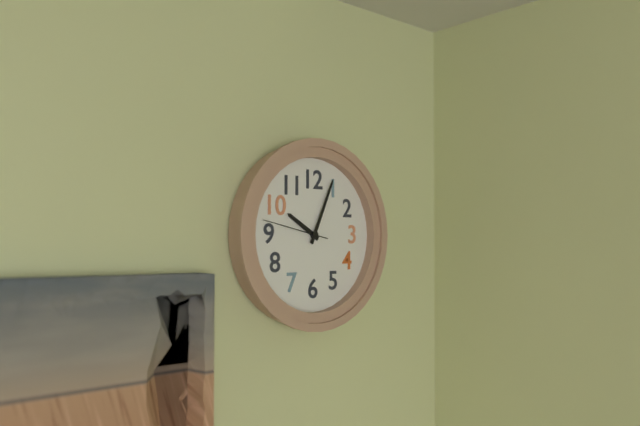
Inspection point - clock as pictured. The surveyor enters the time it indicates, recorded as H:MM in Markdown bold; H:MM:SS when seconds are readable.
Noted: **10:04:47**
